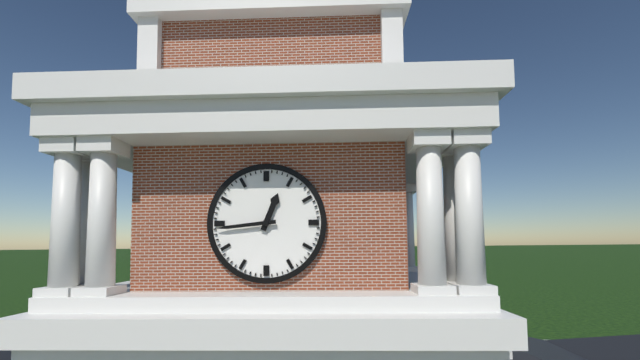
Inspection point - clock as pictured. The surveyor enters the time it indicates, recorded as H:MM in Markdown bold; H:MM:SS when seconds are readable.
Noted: **12:44**
